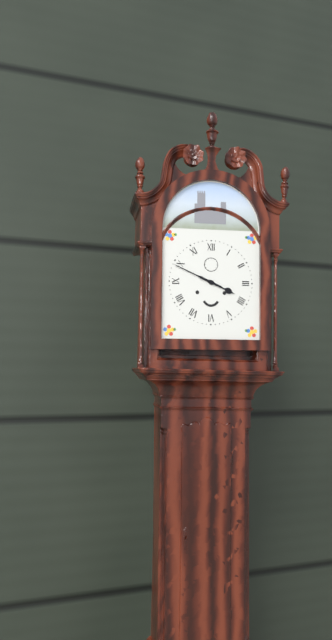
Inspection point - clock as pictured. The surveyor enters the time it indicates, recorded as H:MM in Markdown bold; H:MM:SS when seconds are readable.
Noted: **3:49**
